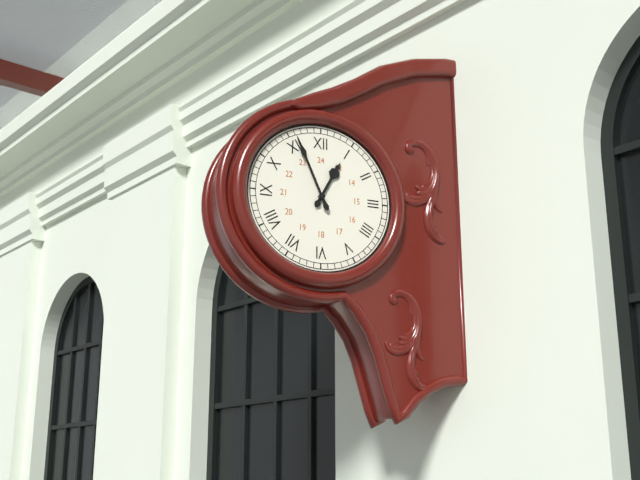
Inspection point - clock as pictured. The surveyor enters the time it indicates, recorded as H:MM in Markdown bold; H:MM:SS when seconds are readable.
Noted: **12:56**
